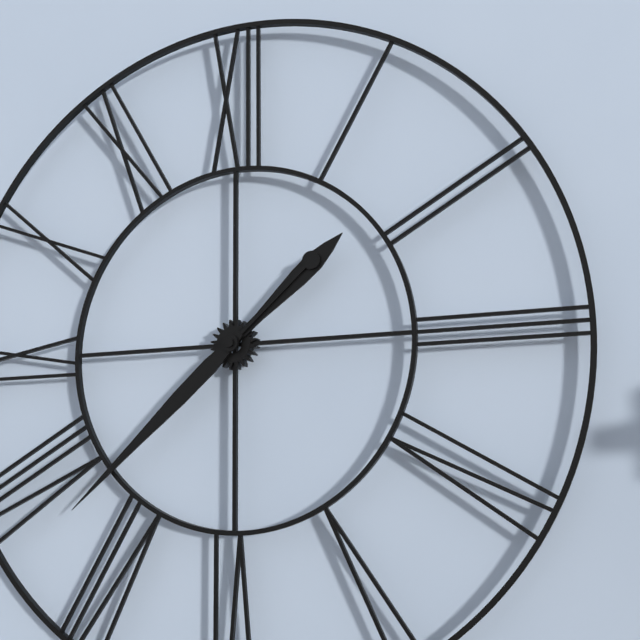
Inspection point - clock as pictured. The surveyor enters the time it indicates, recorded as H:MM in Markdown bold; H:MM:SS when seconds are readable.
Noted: **1:38**
